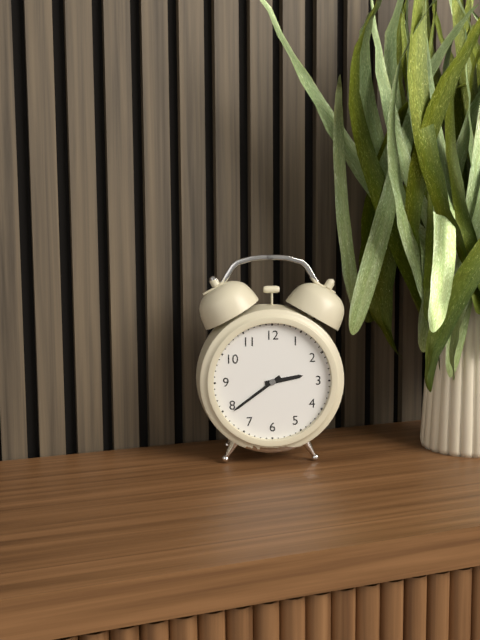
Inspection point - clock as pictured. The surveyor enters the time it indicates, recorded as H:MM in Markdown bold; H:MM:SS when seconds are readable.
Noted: **2:39**
